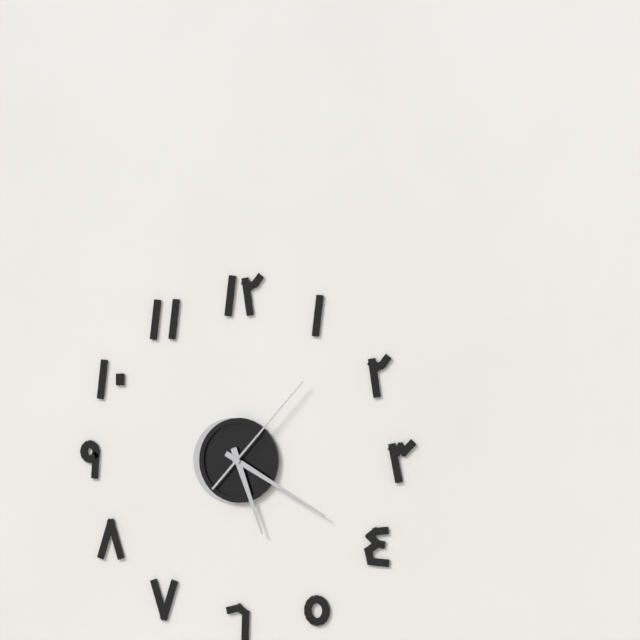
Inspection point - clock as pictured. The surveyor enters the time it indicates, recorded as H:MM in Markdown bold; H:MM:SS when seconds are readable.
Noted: **5:20:07**
